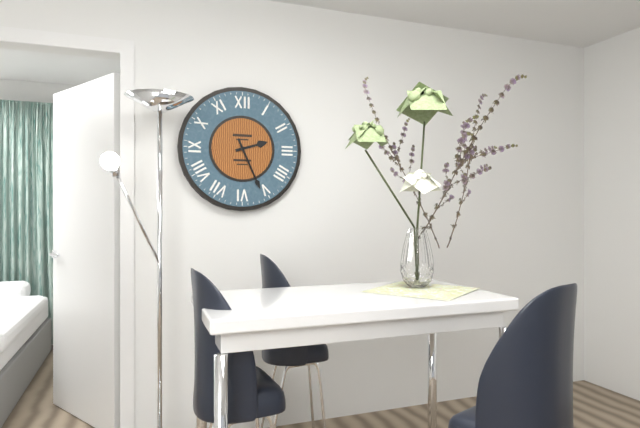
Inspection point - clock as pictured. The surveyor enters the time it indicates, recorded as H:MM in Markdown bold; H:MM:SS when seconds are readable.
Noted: **2:26**
